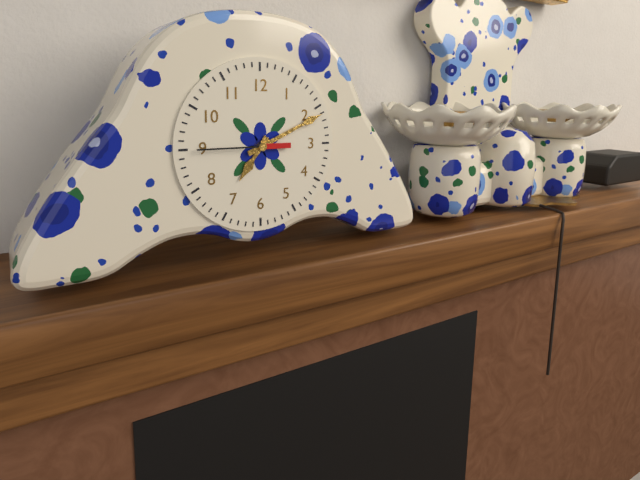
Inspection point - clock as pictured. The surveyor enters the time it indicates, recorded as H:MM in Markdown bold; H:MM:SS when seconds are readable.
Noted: **7:11:45**
